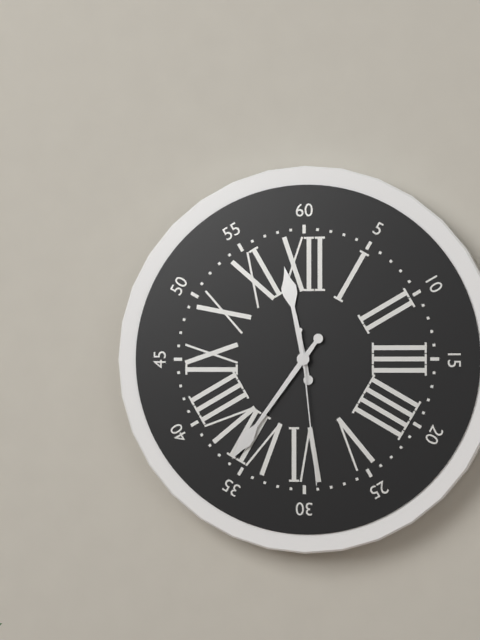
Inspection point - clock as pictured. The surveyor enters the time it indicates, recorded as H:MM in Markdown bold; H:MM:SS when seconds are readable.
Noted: **11:36:29**
